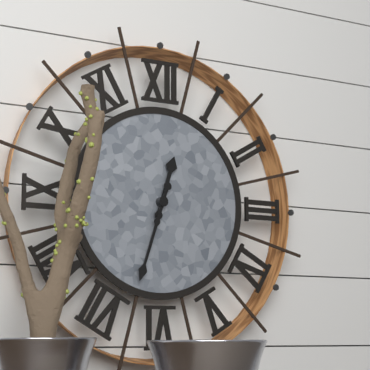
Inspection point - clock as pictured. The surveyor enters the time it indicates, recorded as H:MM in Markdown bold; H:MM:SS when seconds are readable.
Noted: **12:33**
